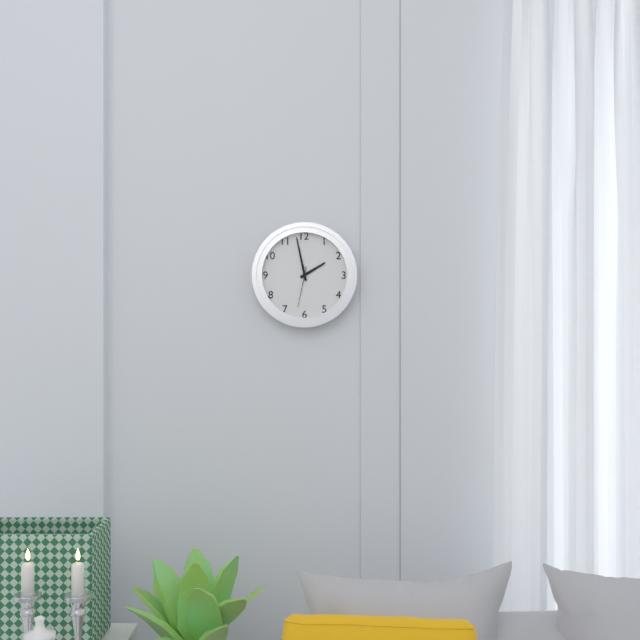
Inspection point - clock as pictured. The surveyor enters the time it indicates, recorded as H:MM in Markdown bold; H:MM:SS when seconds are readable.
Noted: **1:58**
